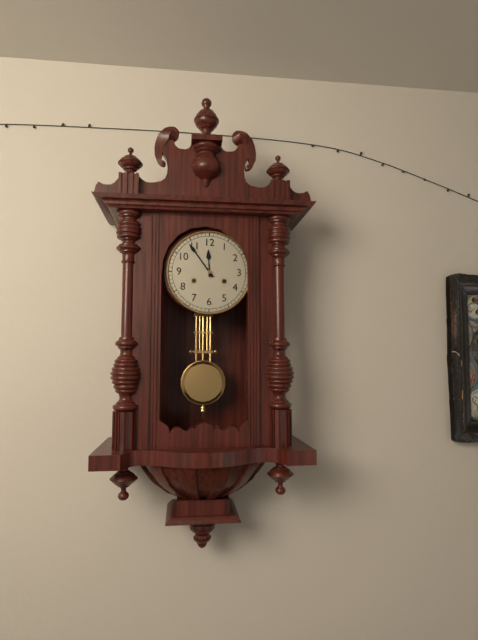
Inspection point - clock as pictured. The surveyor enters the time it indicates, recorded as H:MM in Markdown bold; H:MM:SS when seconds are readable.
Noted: **11:54**
